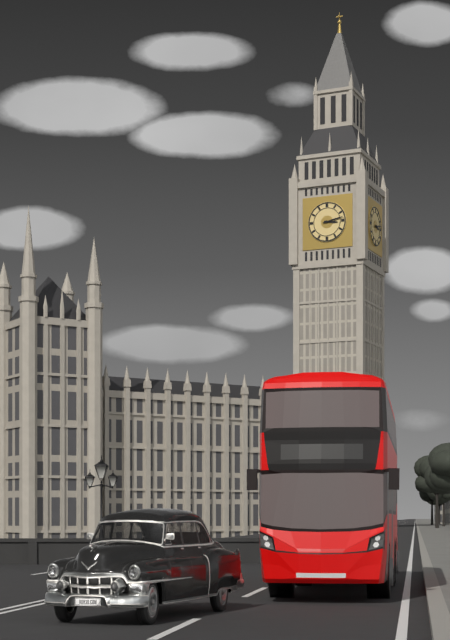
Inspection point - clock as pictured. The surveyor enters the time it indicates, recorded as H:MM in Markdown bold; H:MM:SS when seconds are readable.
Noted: **3:13**
